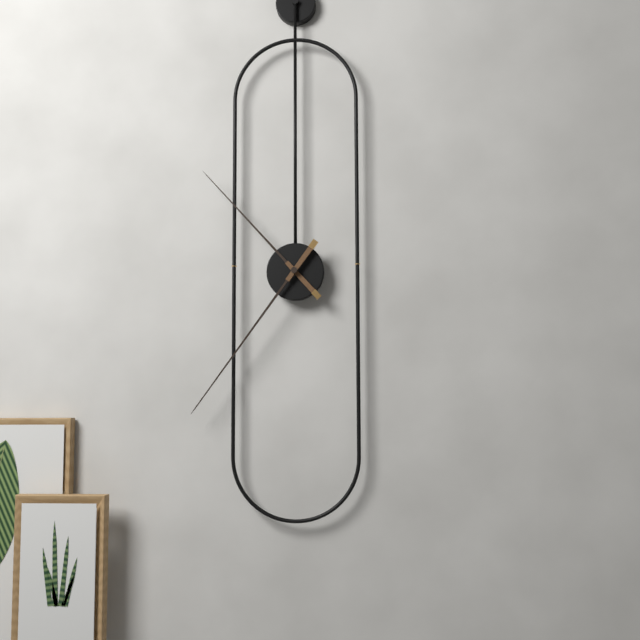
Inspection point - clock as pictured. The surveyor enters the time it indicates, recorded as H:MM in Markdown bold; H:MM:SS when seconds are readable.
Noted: **10:36**
